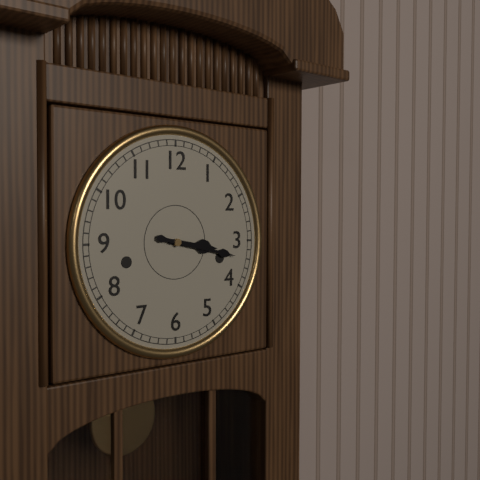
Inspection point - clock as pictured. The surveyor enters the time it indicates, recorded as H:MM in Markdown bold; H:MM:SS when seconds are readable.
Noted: **3:17**
